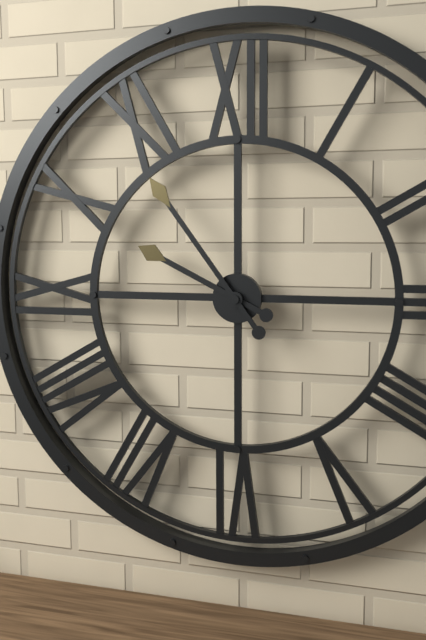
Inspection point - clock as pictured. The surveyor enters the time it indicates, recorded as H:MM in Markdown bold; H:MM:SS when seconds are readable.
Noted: **9:54**
